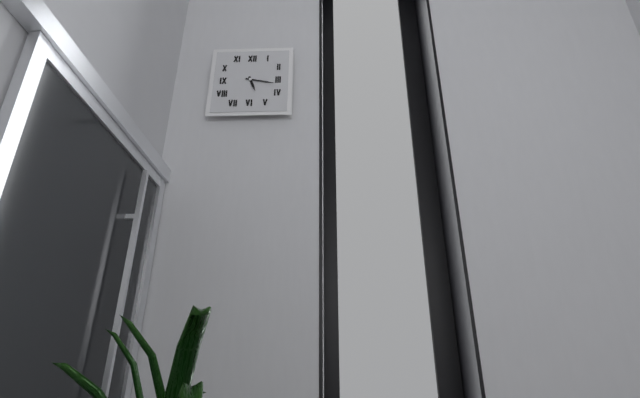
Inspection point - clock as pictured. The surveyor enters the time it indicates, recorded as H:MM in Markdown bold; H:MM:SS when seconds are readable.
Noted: **5:17**
